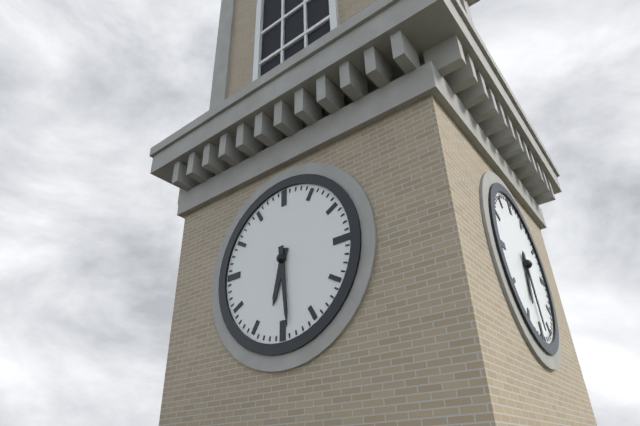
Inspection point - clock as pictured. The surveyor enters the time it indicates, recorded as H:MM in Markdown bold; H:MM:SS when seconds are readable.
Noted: **6:29**
